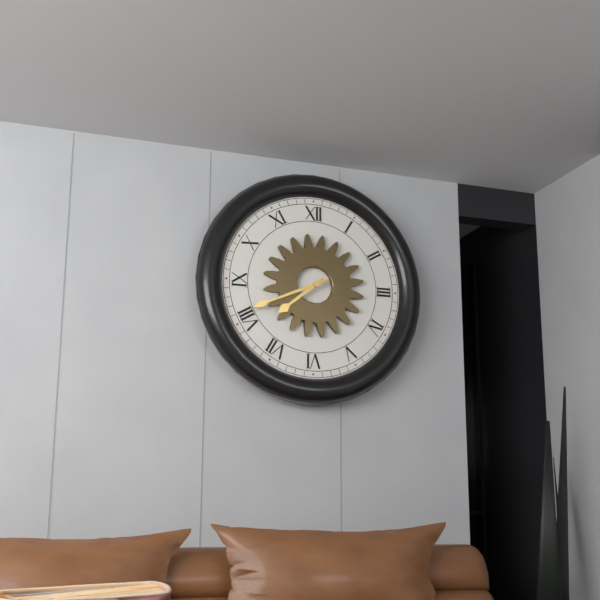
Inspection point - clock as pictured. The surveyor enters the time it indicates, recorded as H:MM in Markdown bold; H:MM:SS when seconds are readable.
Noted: **7:41**
